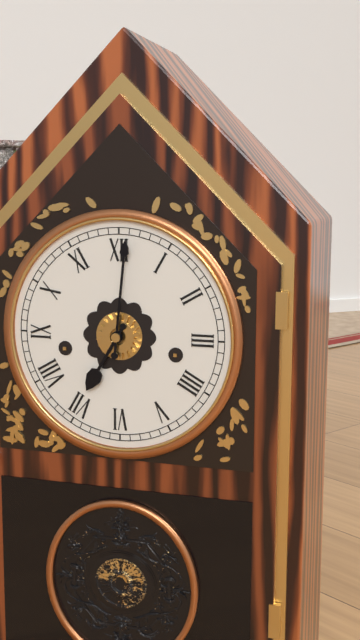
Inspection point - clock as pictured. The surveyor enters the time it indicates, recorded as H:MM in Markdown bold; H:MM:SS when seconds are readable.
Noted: **7:01**
